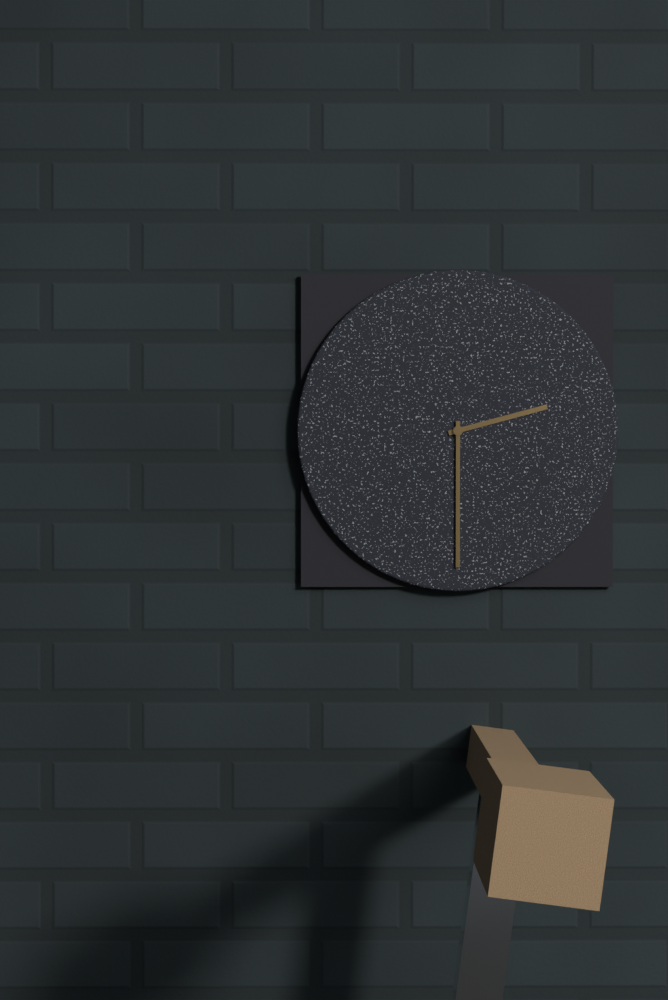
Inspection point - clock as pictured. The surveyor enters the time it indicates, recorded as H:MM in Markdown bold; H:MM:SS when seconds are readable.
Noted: **2:30**
